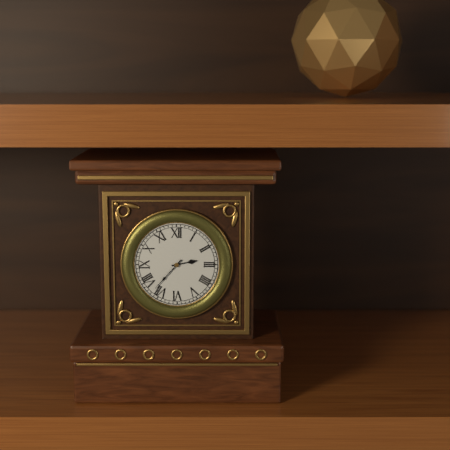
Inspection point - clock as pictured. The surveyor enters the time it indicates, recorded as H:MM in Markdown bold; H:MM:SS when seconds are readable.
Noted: **2:37**
